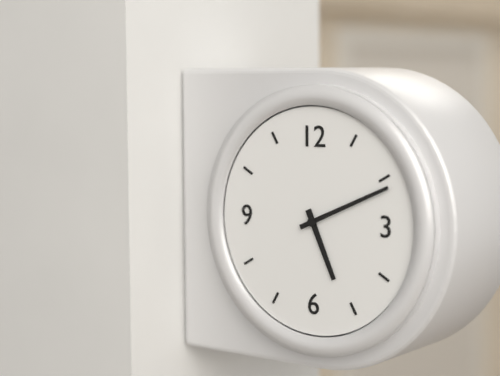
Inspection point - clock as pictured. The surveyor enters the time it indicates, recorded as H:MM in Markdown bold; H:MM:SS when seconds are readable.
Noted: **5:11**
